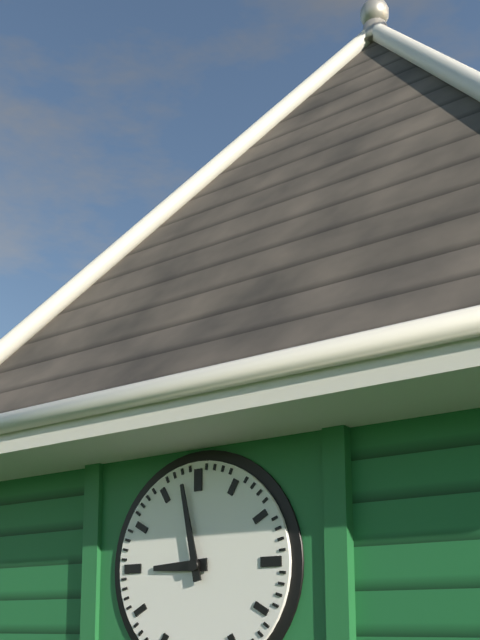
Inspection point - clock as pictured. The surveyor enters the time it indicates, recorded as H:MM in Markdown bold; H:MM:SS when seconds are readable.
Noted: **8:58**
